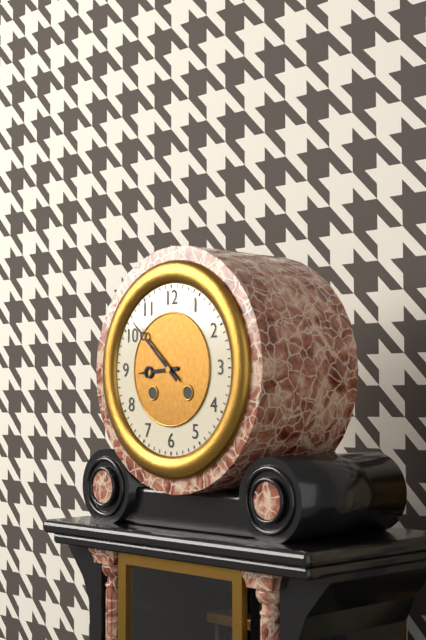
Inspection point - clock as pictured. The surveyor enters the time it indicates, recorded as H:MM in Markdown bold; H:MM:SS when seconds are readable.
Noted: **8:52**
